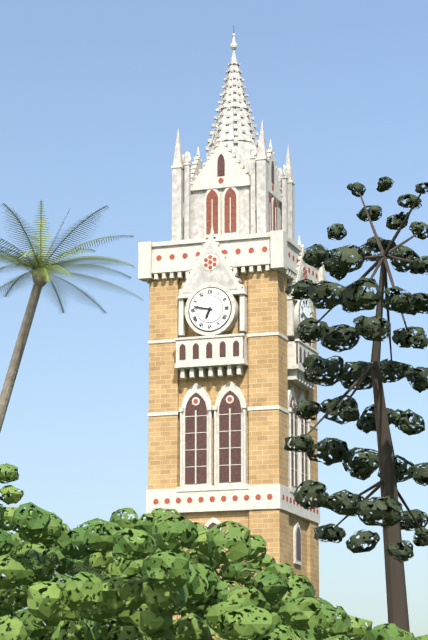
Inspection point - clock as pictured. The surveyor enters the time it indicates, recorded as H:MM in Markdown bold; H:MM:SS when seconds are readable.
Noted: **6:47**
